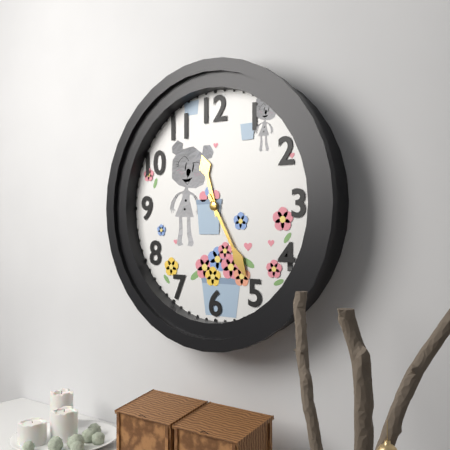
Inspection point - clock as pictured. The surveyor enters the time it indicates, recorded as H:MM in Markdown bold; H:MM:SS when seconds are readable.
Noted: **11:25**
